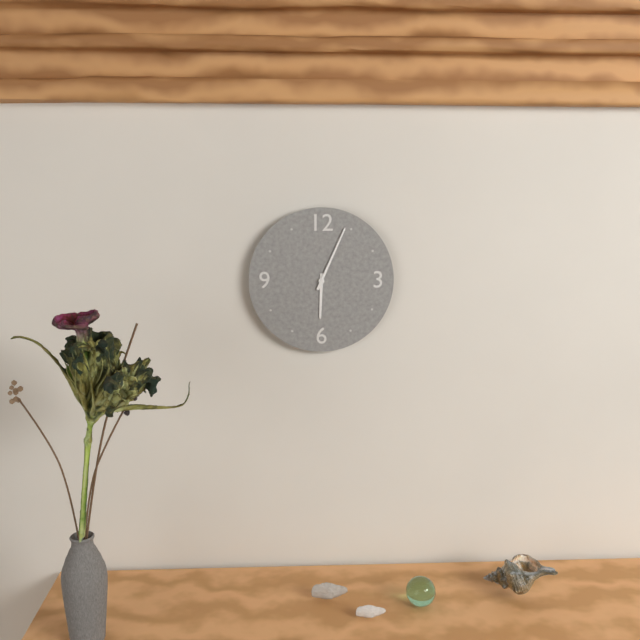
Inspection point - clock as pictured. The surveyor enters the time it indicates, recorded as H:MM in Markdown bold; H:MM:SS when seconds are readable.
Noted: **6:04**
